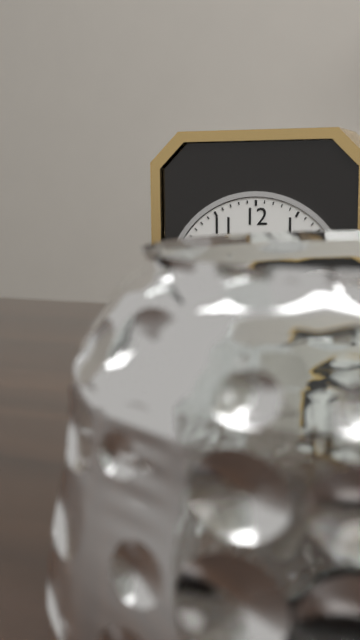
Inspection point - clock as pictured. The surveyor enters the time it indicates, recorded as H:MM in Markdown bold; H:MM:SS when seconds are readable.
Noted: **2:24**
